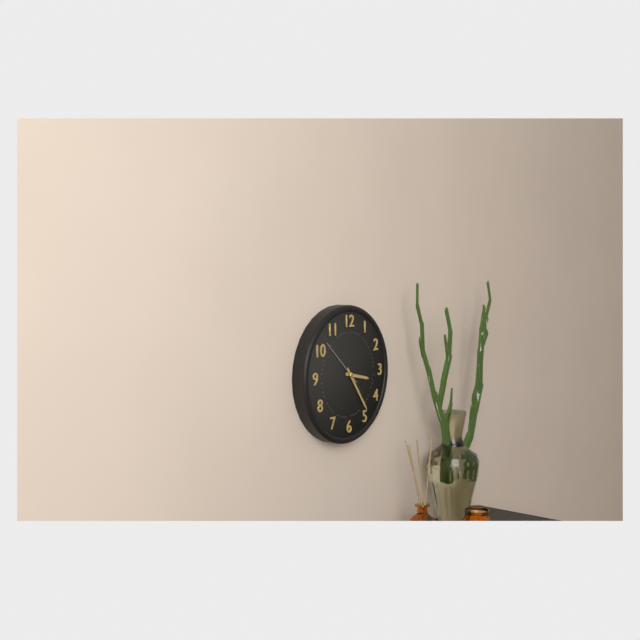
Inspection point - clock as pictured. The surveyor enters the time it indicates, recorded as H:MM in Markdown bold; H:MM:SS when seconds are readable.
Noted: **3:24**
